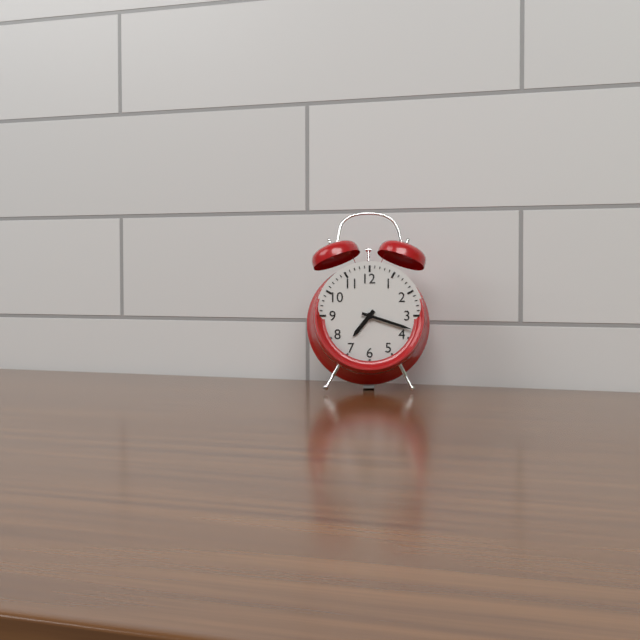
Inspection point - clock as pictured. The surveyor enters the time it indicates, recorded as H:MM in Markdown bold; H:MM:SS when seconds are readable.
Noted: **7:18**
